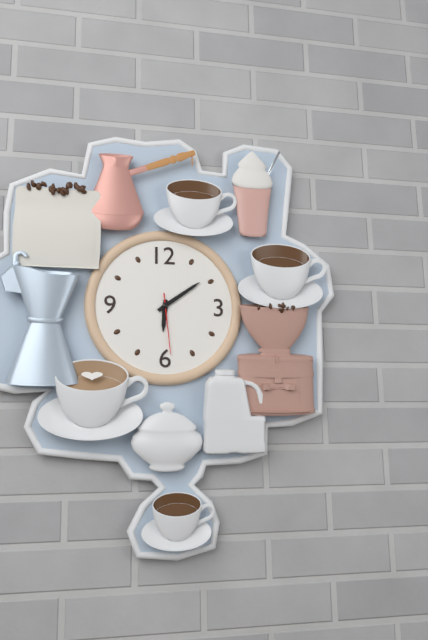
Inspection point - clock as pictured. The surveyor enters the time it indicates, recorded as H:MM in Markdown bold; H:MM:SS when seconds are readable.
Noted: **6:09:29**
